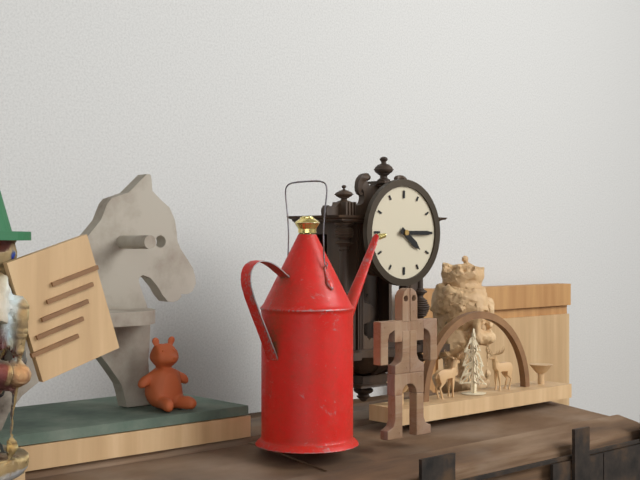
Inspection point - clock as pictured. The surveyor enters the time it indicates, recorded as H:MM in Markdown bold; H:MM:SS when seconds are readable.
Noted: **4:15**
